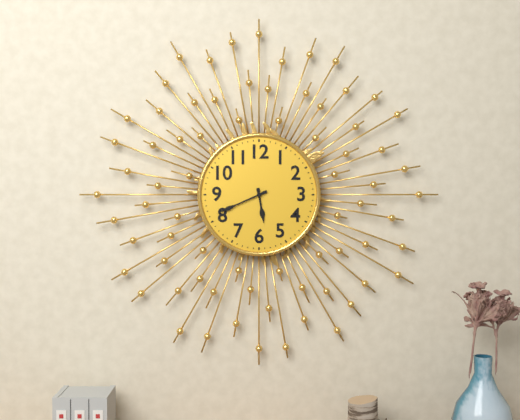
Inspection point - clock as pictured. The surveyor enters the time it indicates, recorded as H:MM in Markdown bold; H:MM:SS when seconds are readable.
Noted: **5:41**
